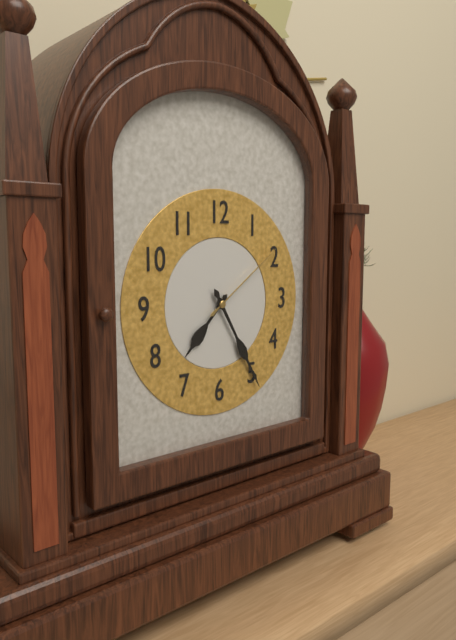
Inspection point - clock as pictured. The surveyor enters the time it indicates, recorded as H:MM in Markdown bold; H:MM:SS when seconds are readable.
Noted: **7:25:09**
